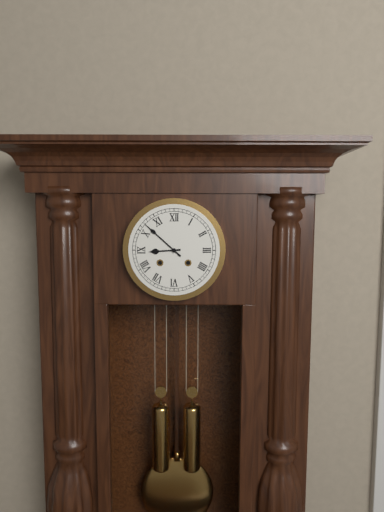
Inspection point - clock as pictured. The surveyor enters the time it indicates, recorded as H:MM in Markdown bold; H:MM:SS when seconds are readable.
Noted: **8:52**
